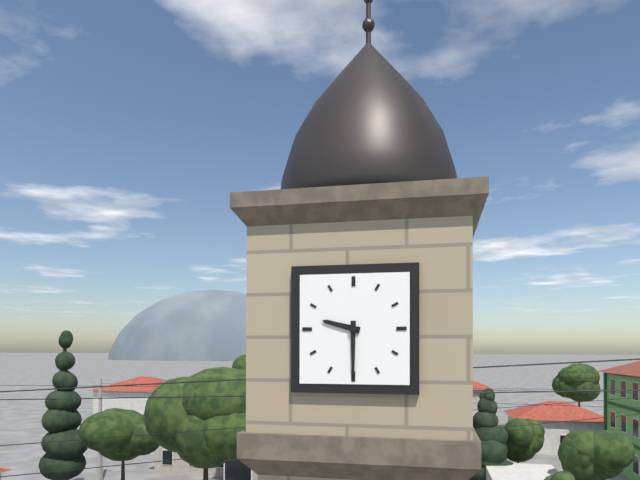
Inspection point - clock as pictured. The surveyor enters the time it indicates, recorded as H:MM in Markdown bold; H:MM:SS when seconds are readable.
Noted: **9:30**
